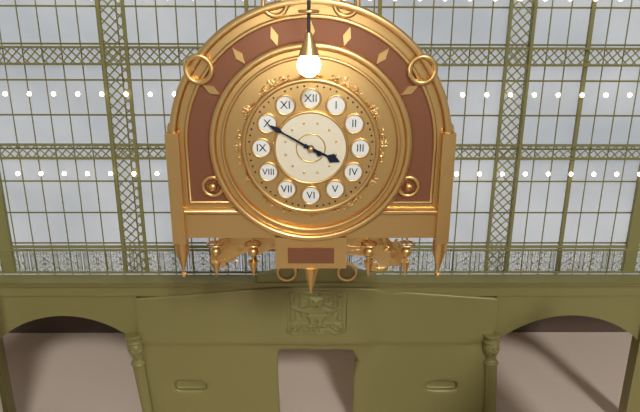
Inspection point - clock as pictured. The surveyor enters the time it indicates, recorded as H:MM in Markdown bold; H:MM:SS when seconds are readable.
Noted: **3:50**
